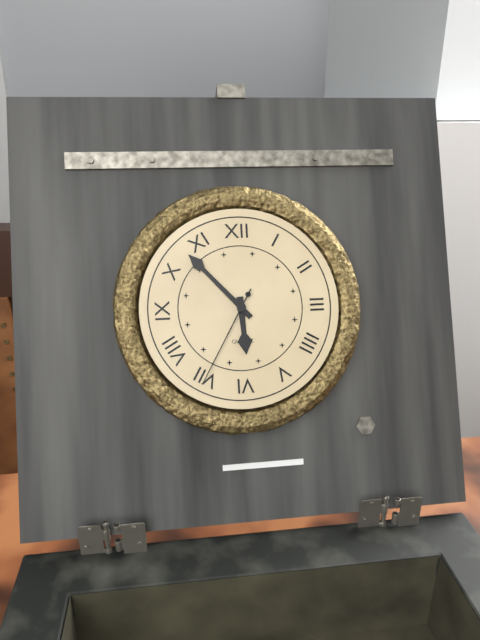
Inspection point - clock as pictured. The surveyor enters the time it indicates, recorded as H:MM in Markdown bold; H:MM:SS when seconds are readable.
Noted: **5:53:35**
